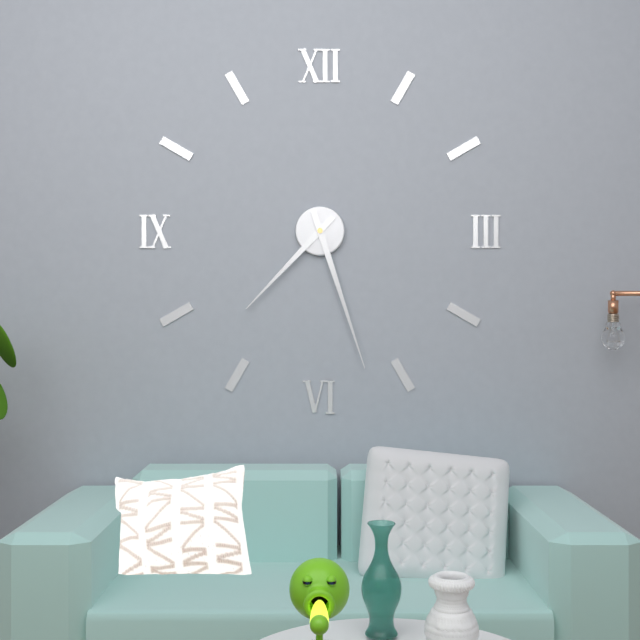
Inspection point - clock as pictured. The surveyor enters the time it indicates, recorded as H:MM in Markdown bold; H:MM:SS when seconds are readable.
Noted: **7:27**
